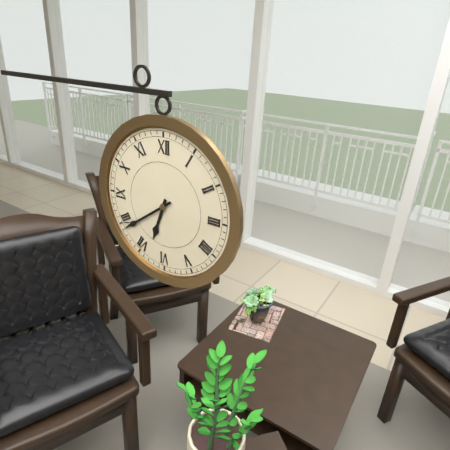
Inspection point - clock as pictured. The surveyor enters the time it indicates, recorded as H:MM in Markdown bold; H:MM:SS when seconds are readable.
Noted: **6:39**
